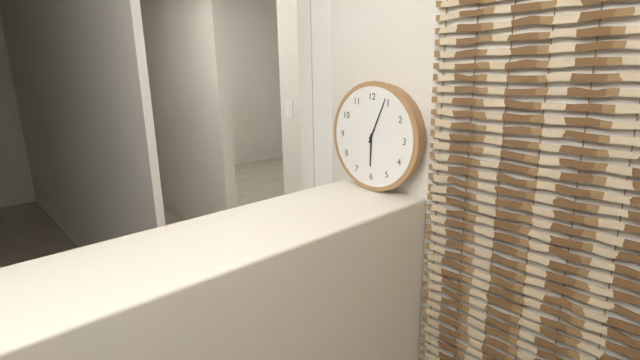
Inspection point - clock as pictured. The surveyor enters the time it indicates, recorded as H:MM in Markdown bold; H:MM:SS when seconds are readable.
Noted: **6:04**
